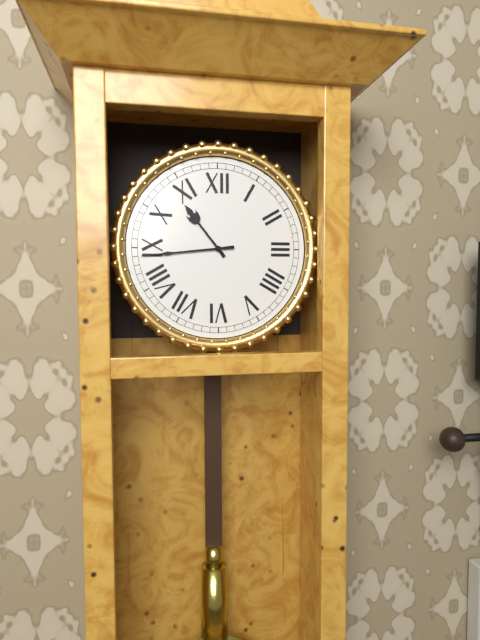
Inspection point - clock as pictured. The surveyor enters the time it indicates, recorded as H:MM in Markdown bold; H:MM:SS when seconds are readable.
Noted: **10:44**
